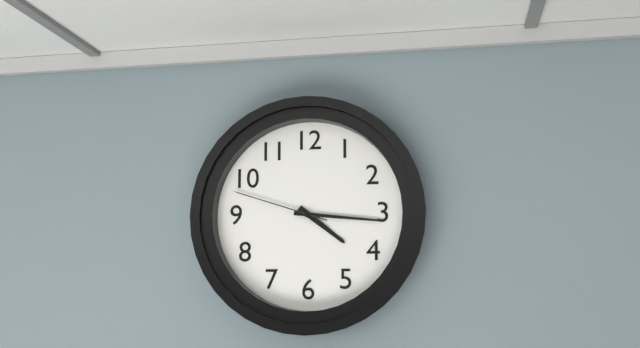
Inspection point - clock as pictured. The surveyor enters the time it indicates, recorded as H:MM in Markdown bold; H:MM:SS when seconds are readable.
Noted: **4:16:48**
